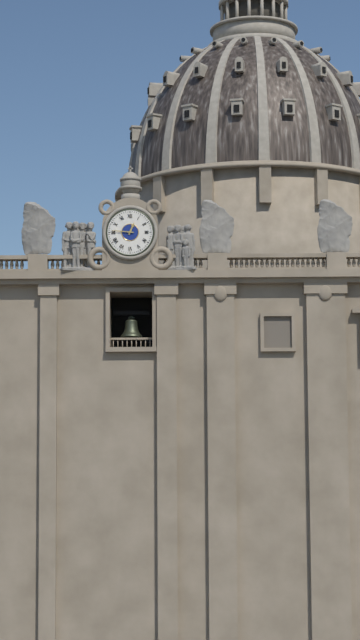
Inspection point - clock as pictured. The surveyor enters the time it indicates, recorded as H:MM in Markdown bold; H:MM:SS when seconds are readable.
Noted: **12:46**
